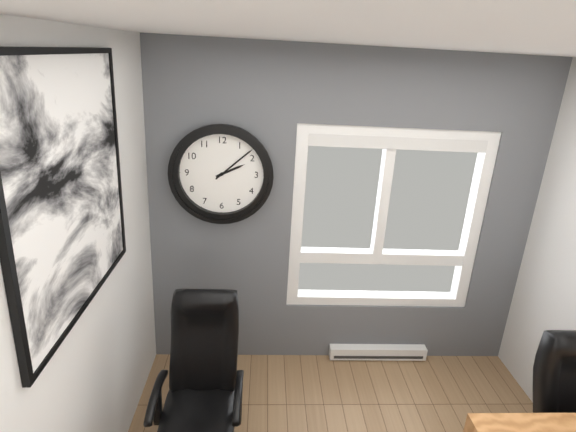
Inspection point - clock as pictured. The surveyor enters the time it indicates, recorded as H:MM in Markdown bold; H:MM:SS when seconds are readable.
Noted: **2:08**
